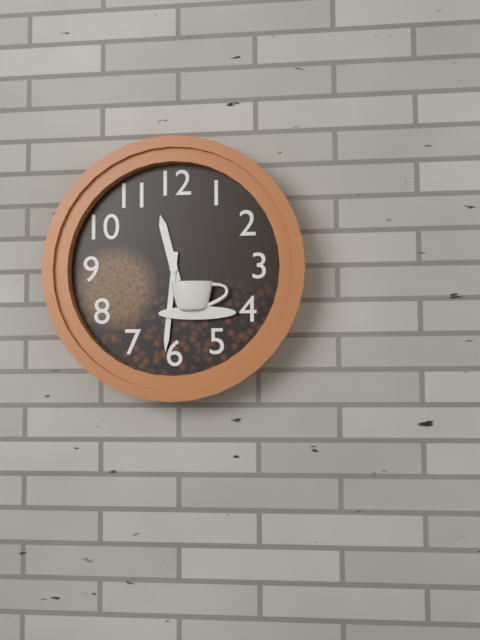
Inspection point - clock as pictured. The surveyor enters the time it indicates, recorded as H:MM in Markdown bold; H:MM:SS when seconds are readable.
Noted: **11:31**
